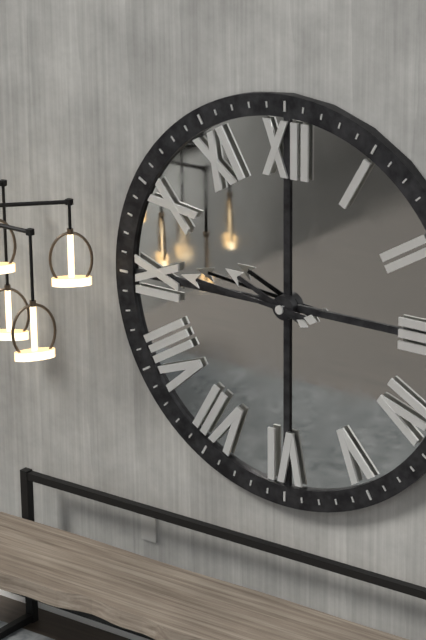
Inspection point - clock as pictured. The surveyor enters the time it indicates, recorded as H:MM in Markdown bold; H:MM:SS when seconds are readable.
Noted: **9:46**
